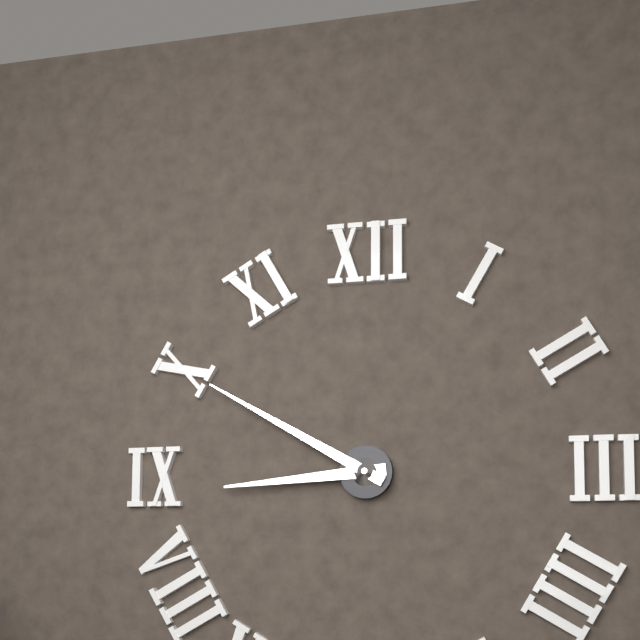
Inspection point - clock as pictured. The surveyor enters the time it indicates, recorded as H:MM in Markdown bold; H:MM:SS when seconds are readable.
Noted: **8:50**
